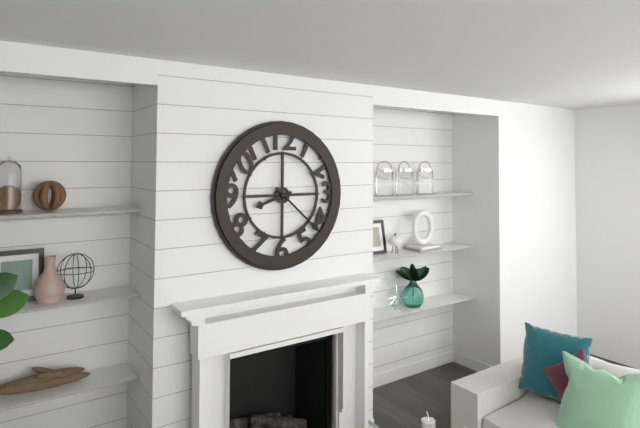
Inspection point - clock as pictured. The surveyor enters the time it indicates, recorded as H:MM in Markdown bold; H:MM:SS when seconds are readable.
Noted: **8:22**
